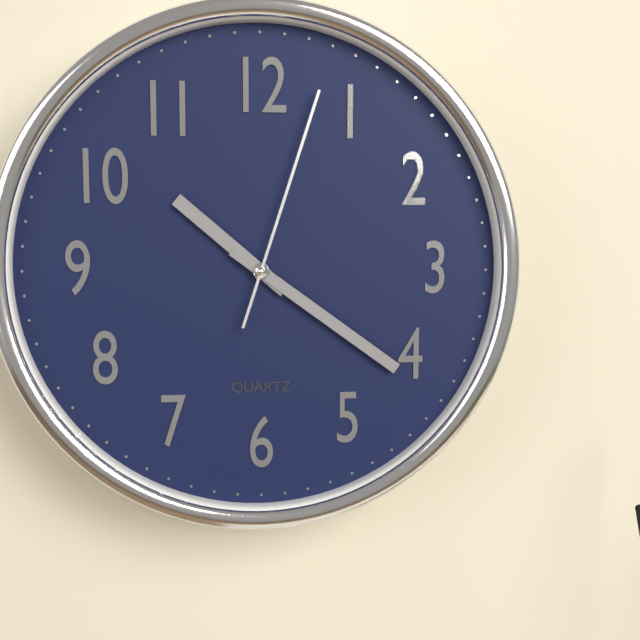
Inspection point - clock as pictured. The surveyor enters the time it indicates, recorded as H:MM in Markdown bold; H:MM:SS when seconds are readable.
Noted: **10:21:03**
